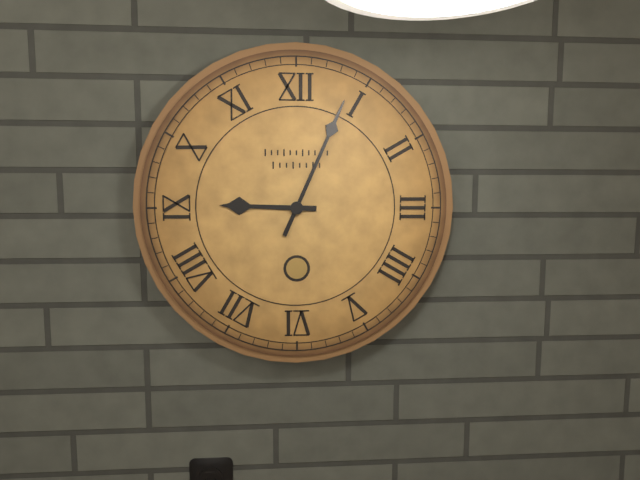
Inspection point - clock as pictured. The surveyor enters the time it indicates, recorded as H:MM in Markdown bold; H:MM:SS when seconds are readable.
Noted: **9:04**
